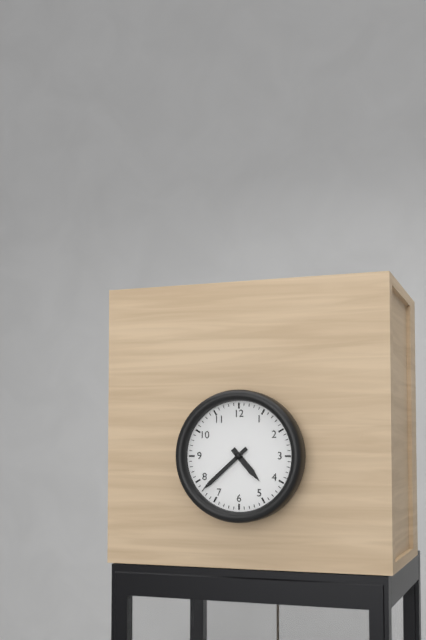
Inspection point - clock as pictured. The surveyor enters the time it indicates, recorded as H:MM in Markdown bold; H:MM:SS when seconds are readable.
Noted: **4:38**
